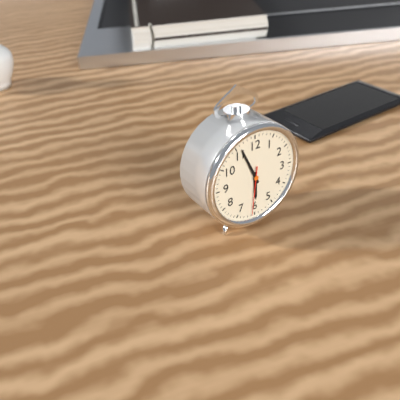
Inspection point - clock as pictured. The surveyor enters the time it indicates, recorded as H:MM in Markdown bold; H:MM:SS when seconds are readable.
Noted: **5:56**
